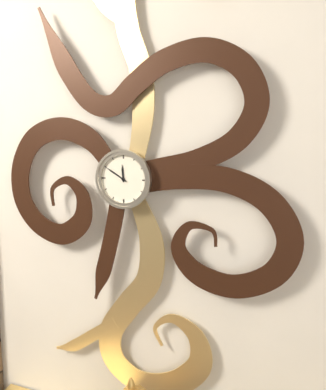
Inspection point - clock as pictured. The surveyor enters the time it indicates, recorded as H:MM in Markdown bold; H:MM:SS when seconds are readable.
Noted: **11:50**
